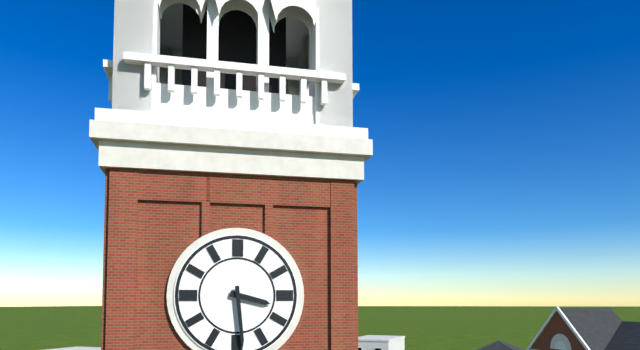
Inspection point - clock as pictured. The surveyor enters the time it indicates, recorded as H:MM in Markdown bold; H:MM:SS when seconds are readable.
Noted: **3:29**
